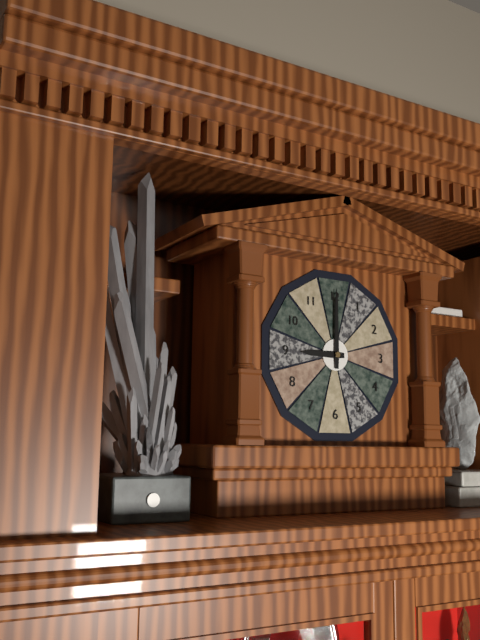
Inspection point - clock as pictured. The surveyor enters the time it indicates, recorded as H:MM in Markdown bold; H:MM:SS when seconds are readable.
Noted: **9:00**
